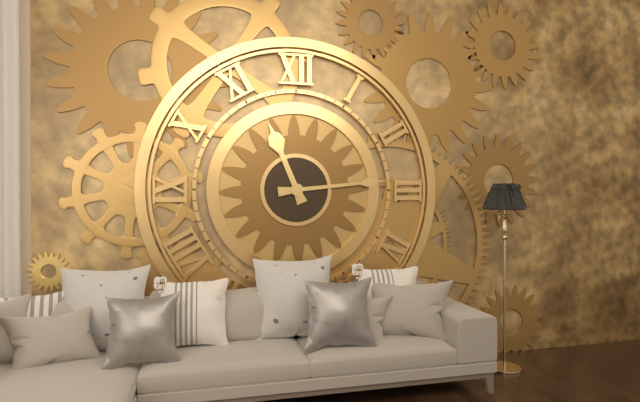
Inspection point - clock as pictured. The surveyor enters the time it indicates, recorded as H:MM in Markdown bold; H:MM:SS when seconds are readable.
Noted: **11:14**
